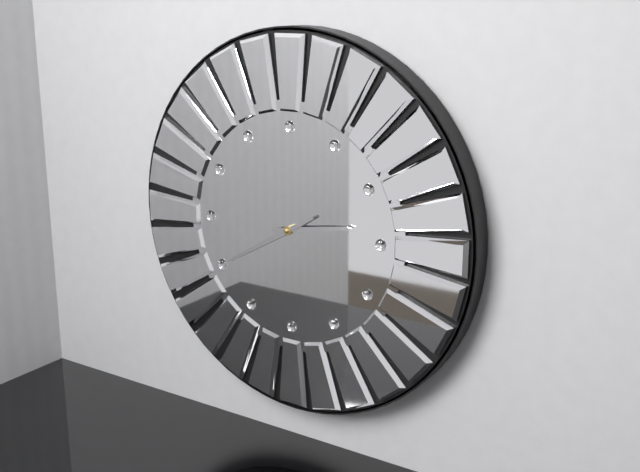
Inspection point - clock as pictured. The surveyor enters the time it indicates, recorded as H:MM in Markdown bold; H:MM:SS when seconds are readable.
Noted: **2:40**
